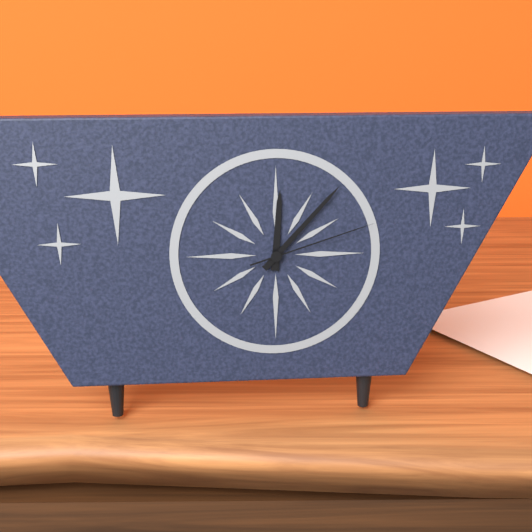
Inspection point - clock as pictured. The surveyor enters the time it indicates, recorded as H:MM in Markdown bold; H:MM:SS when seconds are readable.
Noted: **12:07:12**
